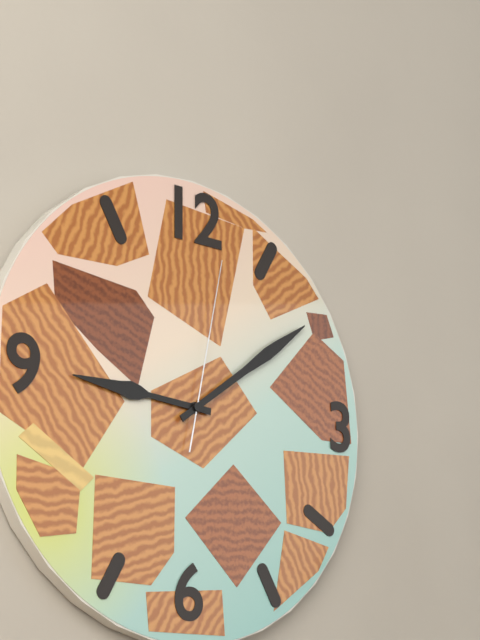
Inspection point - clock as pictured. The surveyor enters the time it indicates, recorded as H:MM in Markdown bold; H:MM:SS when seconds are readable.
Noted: **9:09:02**
